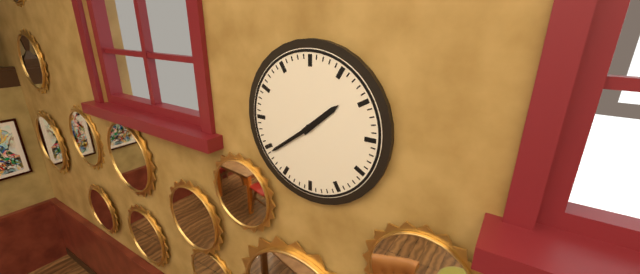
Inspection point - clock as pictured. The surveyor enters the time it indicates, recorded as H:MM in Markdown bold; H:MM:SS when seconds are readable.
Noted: **1:39**
